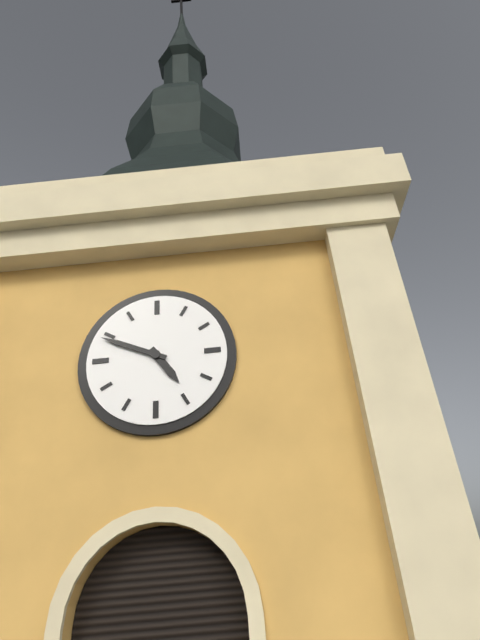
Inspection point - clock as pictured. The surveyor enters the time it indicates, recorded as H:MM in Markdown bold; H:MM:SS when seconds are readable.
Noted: **4:49**
